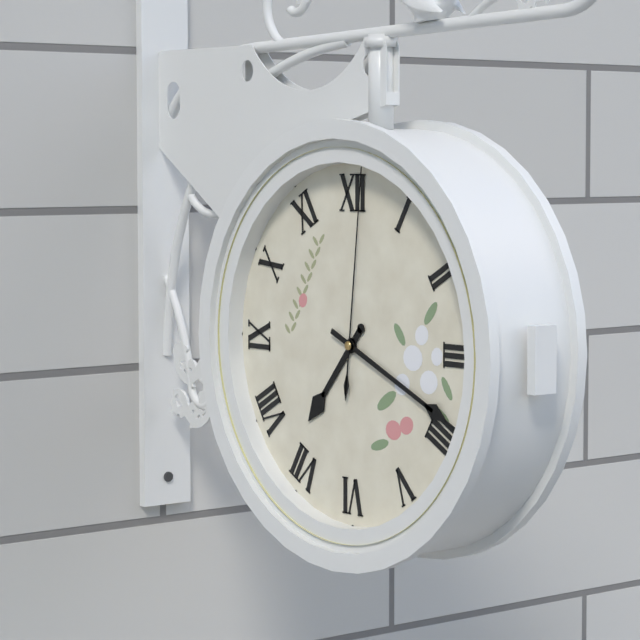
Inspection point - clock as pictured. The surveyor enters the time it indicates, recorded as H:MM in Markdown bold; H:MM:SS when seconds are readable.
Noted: **7:19:01**
